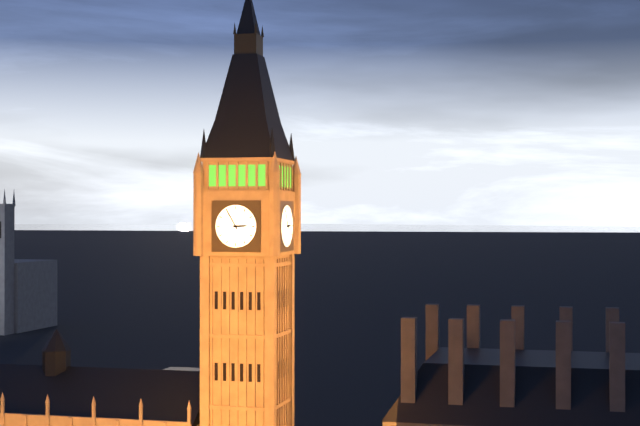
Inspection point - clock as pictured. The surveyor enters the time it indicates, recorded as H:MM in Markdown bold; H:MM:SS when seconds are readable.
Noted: **2:55**
